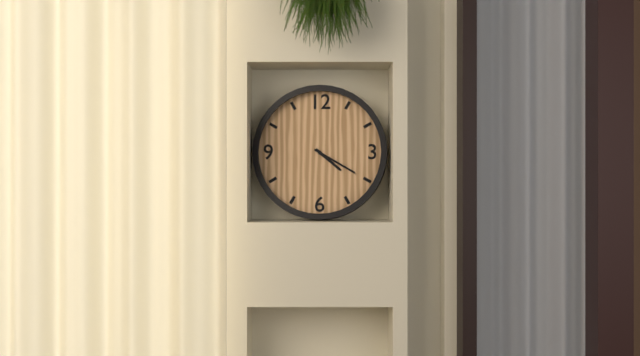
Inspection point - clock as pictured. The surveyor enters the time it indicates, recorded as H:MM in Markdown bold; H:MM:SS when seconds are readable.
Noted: **4:20**
